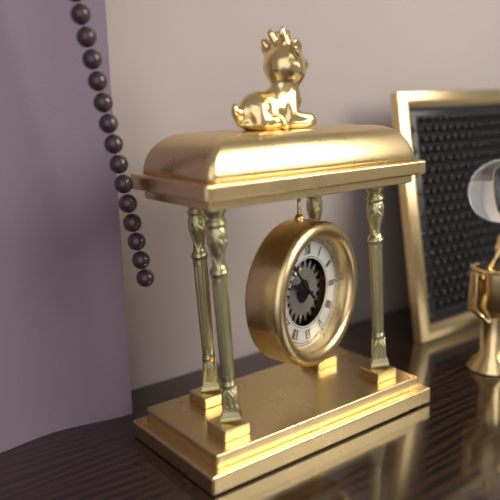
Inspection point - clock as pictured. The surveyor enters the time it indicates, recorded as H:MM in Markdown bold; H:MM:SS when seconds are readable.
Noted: **9:53**
